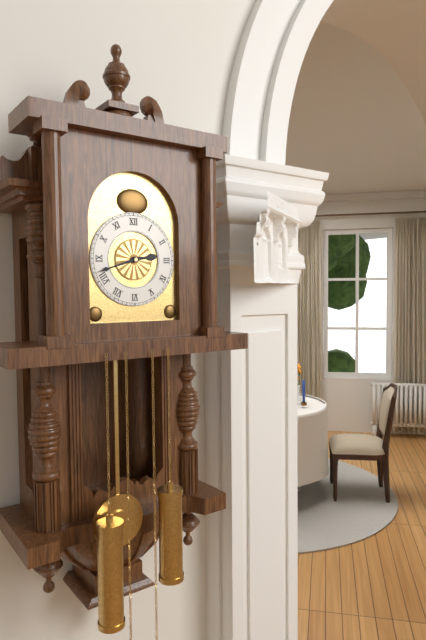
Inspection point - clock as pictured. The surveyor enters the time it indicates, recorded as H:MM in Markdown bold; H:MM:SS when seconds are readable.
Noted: **2:42**
